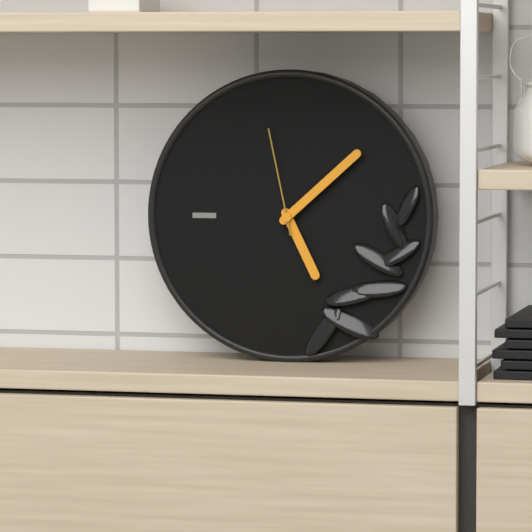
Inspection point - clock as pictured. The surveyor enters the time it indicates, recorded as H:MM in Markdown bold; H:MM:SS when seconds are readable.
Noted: **5:08:58**
